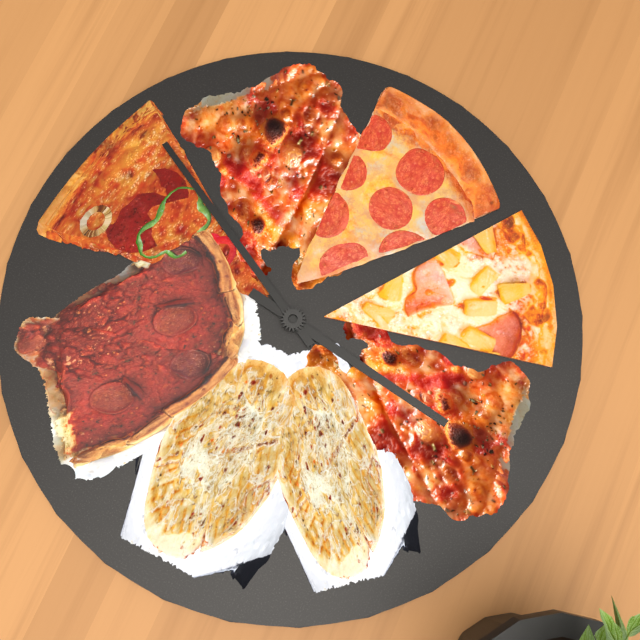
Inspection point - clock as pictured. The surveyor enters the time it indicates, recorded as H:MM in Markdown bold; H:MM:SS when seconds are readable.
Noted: **9:20**
